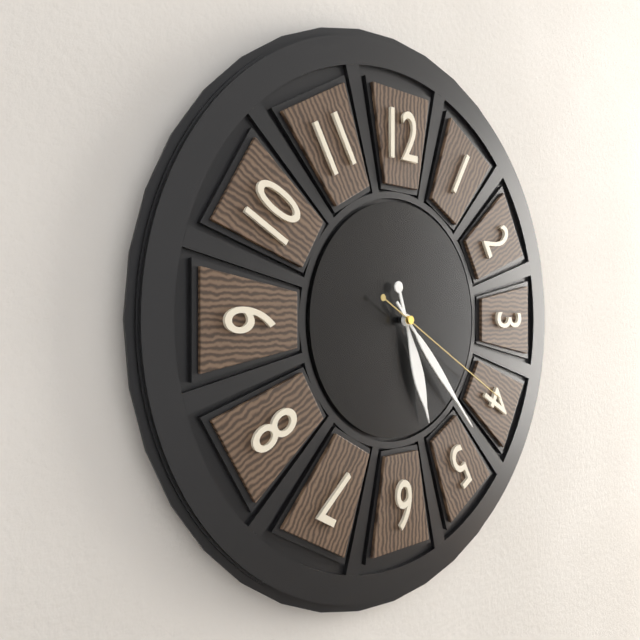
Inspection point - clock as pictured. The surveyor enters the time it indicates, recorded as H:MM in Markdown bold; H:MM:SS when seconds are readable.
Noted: **5:23:20**
